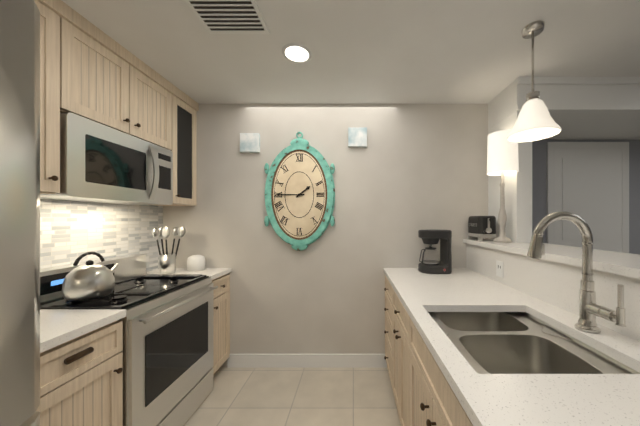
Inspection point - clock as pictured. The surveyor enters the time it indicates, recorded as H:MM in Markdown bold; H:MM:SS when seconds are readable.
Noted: **1:45**
